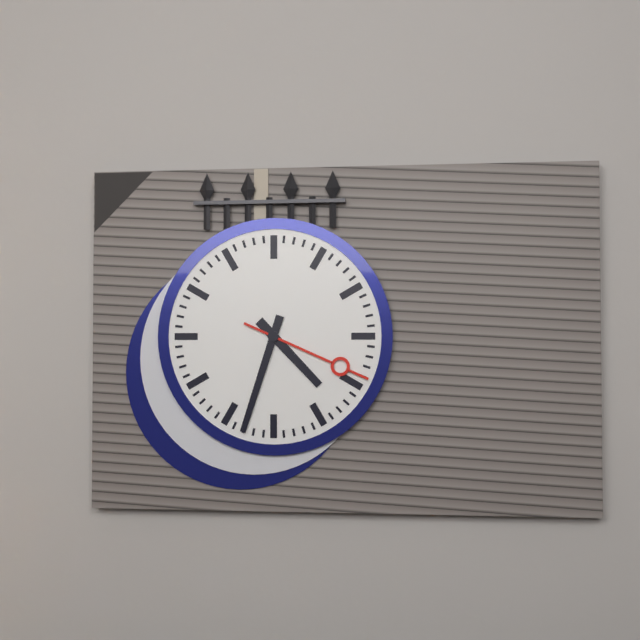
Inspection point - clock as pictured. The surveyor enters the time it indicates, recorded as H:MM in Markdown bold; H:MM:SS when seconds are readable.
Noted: **4:33:19**
